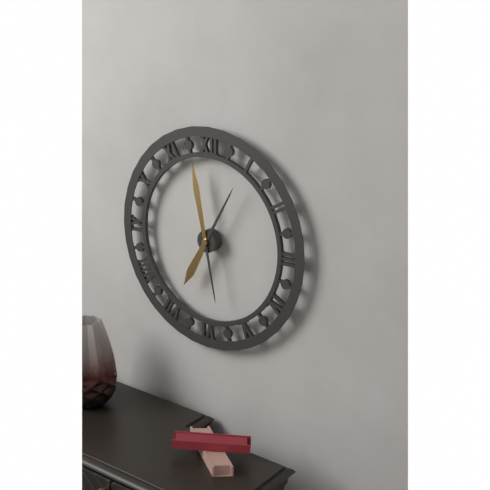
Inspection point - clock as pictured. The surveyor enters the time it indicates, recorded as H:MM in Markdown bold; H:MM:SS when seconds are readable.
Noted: **6:58**
